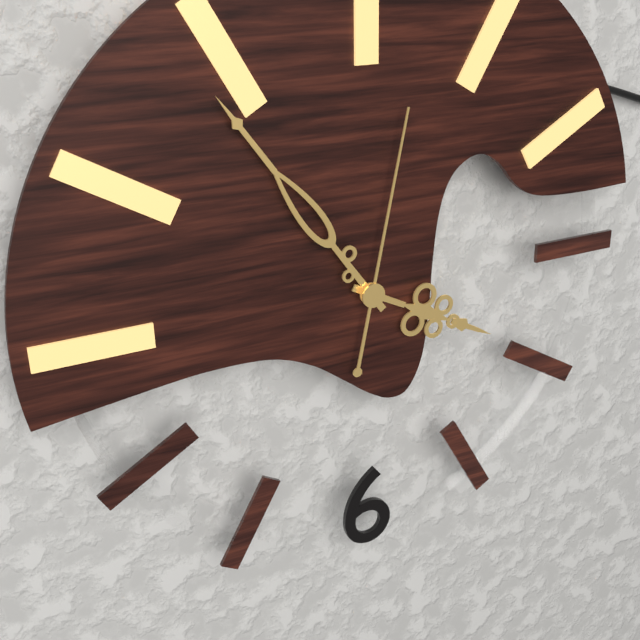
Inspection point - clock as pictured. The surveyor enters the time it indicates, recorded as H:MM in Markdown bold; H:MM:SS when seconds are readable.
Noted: **3:54:02**
